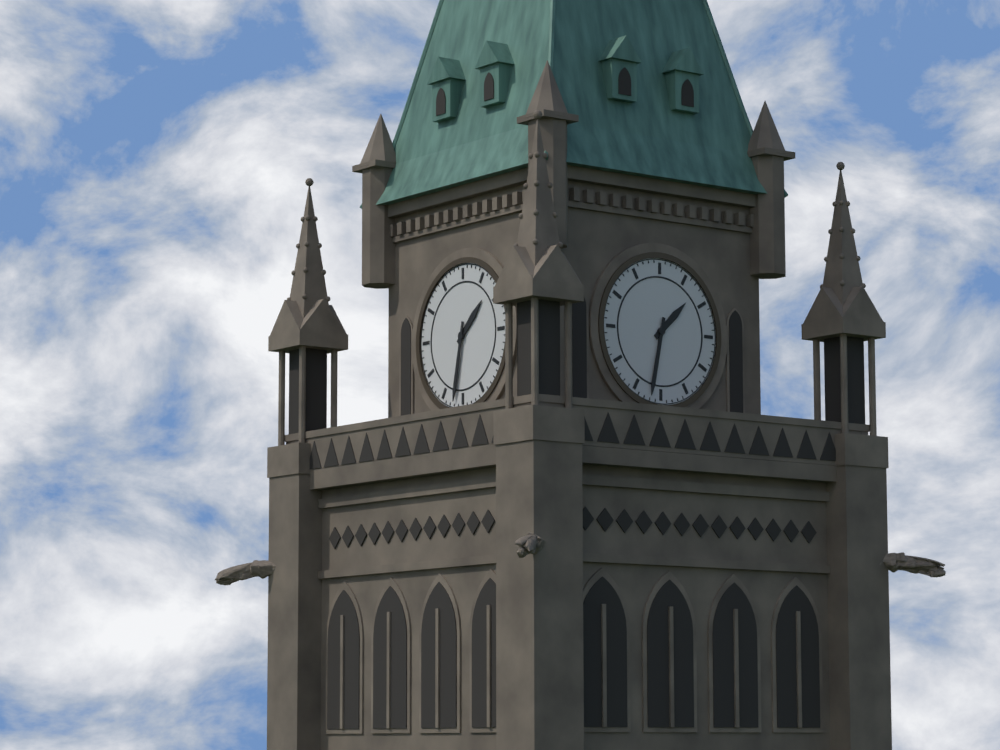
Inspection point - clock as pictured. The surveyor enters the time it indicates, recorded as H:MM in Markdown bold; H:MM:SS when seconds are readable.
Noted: **1:32**
